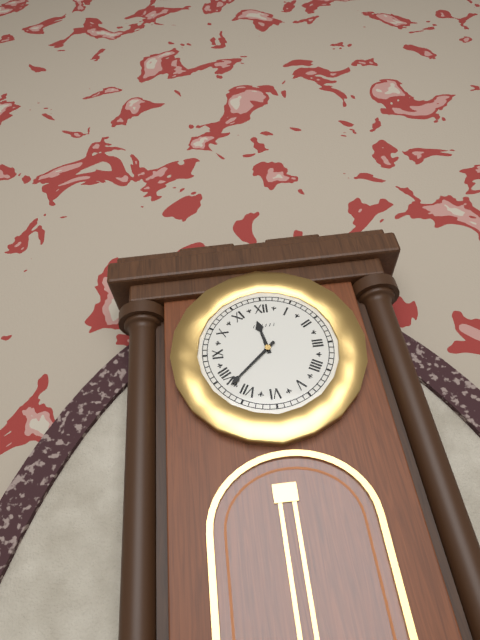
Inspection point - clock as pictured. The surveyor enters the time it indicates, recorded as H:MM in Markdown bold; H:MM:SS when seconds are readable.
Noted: **11:38**
